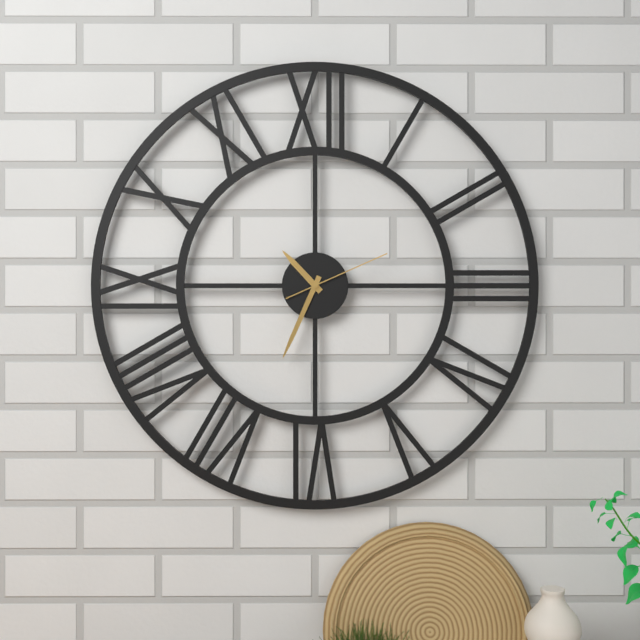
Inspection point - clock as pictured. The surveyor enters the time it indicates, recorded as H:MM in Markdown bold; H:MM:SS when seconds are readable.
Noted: **10:34:11**
